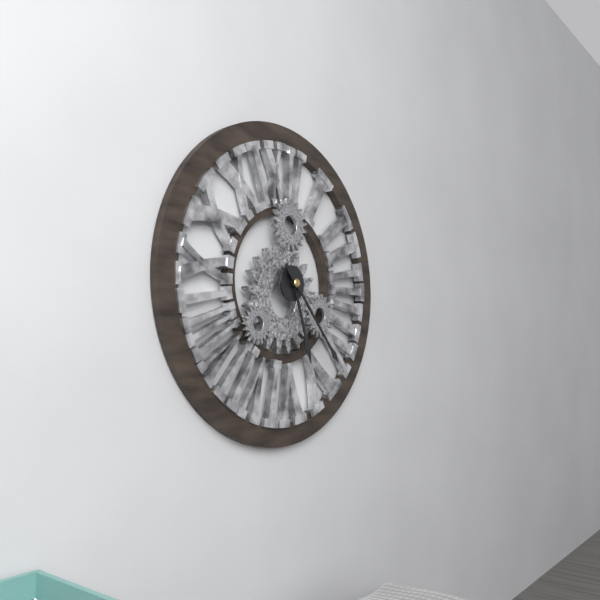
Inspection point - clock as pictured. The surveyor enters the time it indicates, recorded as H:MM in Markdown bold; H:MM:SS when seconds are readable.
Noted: **5:23**
